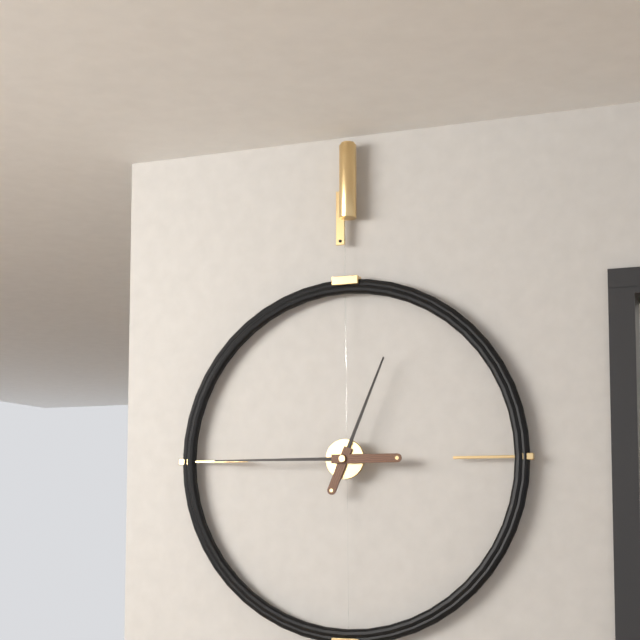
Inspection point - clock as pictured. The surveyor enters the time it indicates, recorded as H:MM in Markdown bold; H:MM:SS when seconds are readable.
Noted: **12:45**
